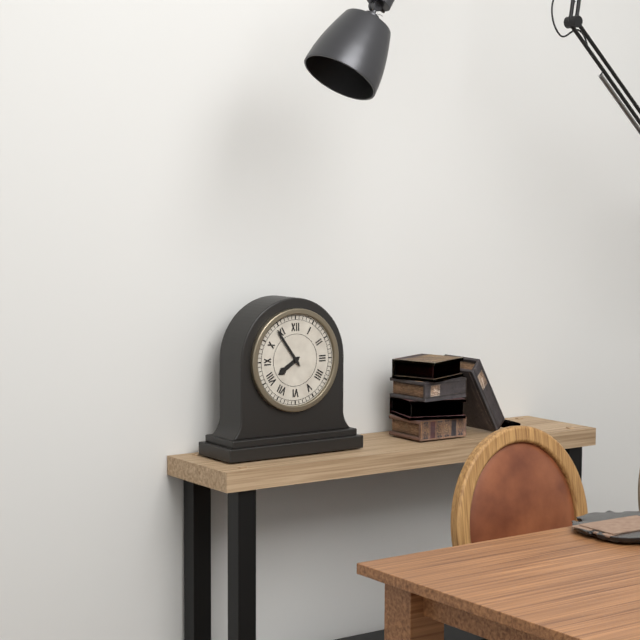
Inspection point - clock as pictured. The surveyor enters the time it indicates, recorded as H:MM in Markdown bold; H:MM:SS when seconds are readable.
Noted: **7:54**
